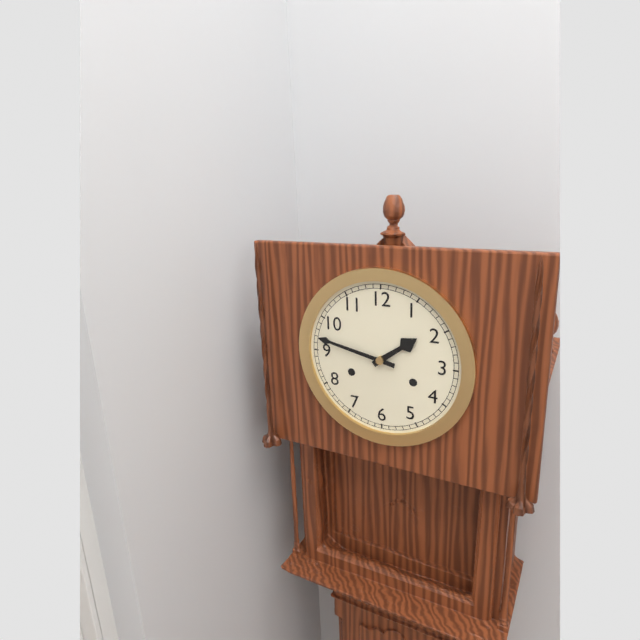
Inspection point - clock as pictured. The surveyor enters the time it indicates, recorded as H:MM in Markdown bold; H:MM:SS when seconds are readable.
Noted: **1:47**
